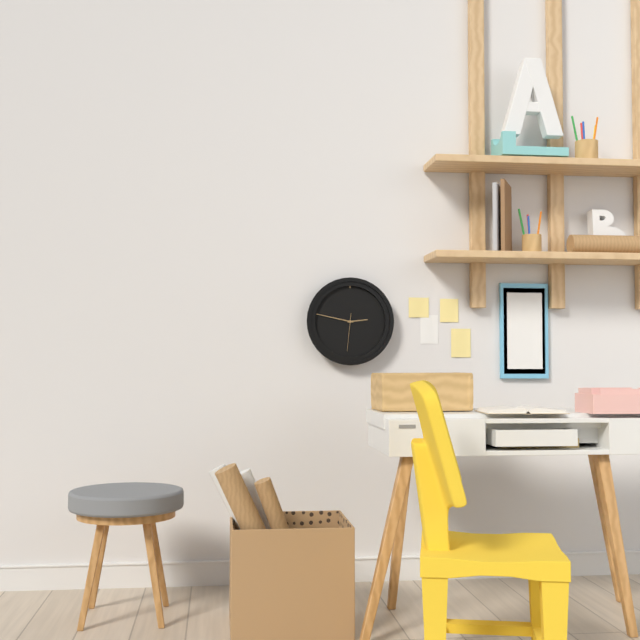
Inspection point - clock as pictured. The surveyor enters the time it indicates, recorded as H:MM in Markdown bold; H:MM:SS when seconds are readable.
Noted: **2:47**
